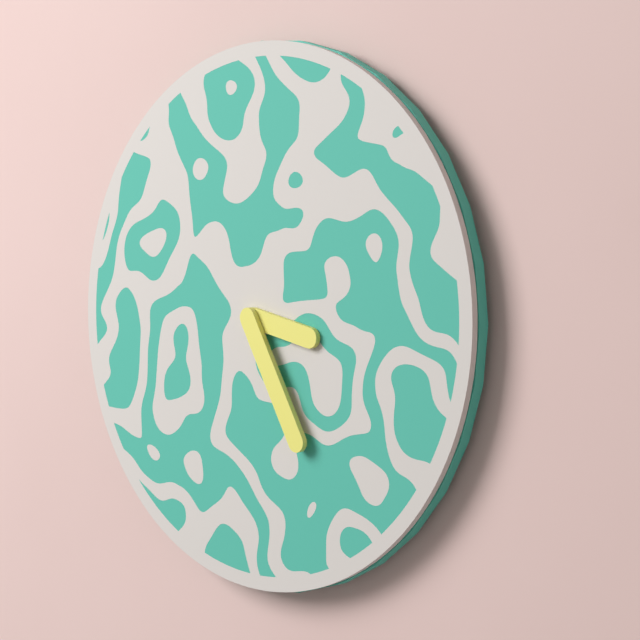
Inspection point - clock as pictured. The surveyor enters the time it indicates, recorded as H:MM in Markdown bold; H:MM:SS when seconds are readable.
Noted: **3:25**
